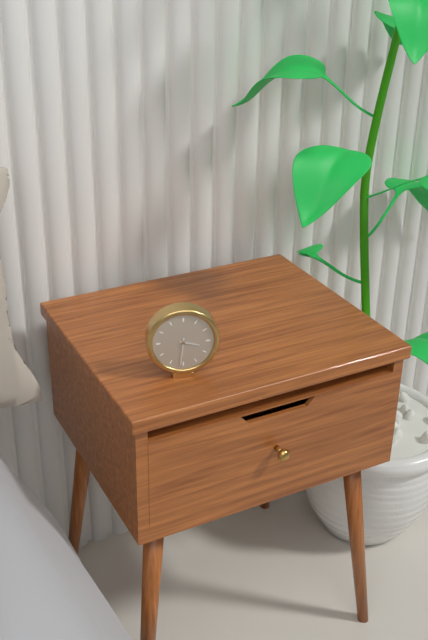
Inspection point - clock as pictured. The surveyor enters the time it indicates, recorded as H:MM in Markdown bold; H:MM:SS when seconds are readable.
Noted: **3:31**
